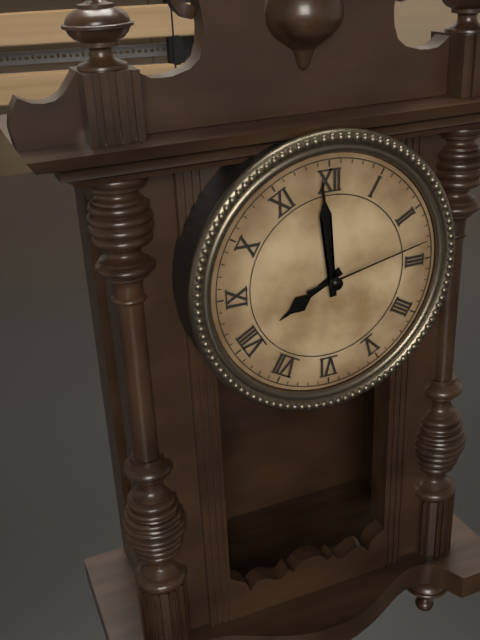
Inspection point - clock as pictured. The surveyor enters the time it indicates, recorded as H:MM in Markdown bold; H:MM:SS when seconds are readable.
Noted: **7:59:13**
